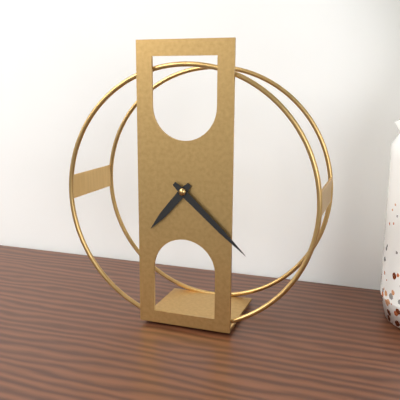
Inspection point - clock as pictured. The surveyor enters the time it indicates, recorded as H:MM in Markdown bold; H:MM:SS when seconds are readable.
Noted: **7:22**
